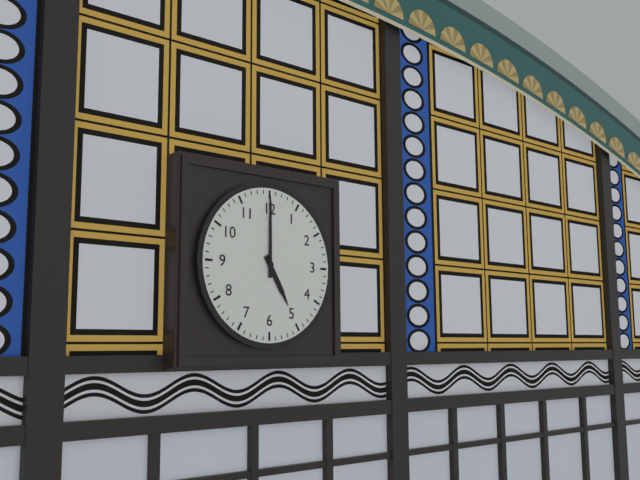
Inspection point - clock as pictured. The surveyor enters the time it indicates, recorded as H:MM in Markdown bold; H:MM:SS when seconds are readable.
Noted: **5:00**
